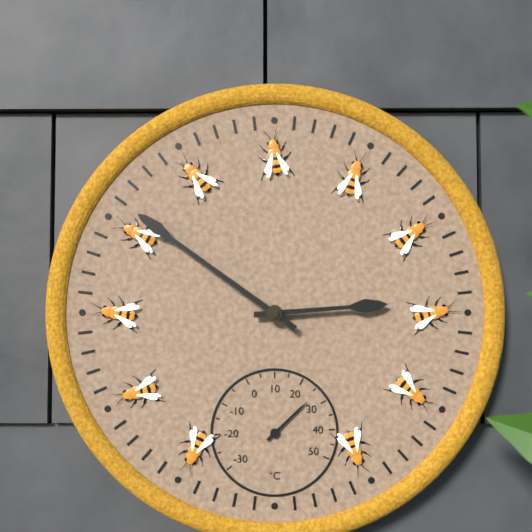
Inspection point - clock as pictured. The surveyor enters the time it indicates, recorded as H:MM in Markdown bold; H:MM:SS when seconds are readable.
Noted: **2:51**
